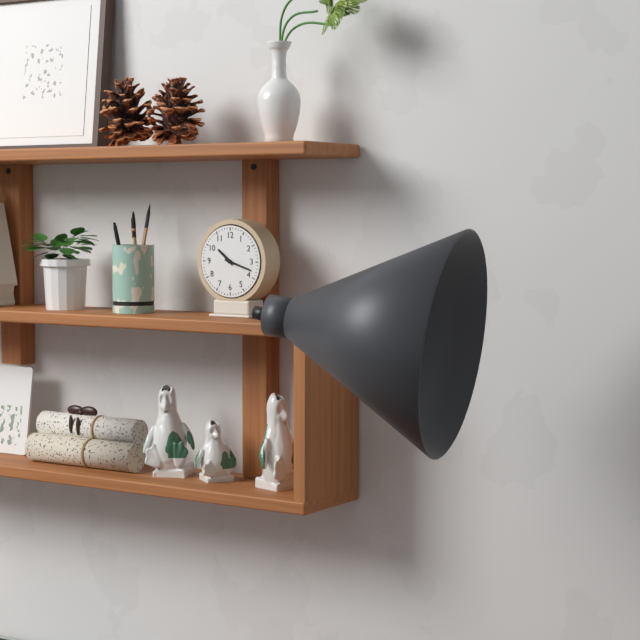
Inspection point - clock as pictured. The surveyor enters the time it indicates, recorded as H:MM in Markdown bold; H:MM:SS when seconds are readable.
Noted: **10:18**
